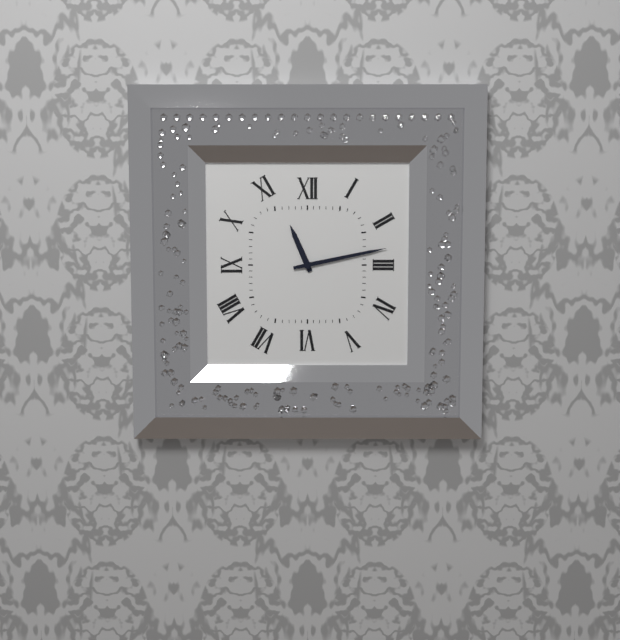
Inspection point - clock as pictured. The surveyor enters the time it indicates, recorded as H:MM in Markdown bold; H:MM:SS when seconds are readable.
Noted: **11:13**
